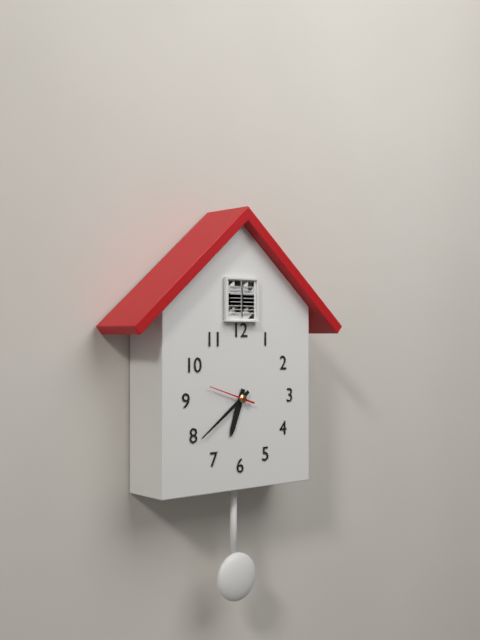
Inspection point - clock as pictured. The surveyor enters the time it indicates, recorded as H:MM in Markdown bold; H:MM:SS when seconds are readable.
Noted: **6:39**
